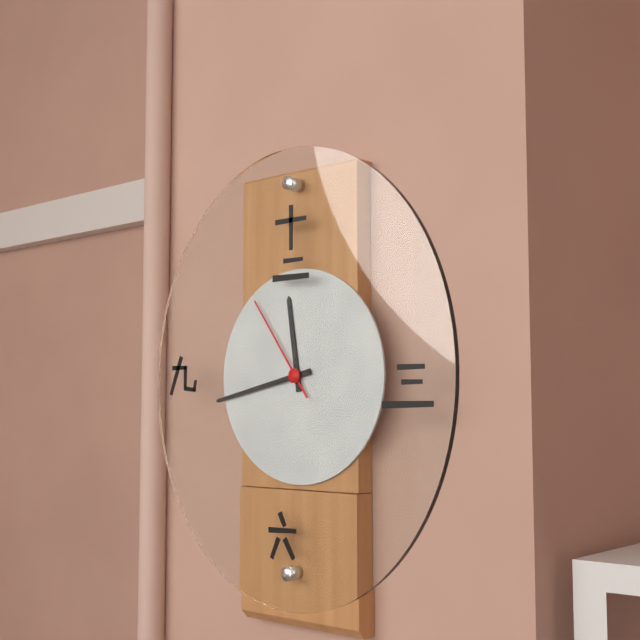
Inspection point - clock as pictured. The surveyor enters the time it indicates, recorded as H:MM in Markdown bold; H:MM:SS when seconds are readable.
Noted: **11:43:54**
